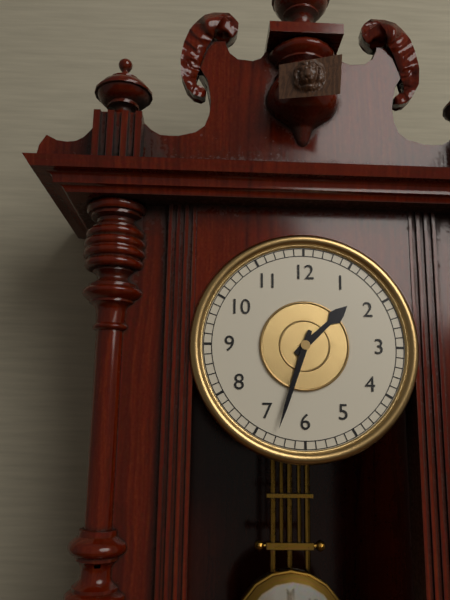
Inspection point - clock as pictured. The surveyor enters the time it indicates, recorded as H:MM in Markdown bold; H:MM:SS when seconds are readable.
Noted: **1:33**
